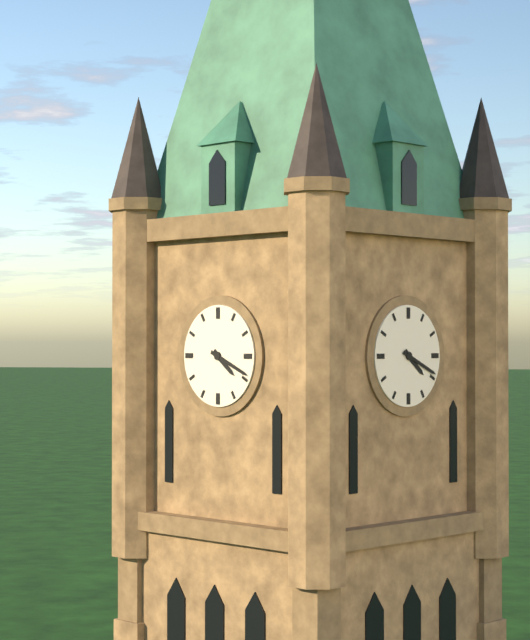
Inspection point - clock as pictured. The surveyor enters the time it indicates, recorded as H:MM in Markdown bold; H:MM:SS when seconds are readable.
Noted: **4:19**
